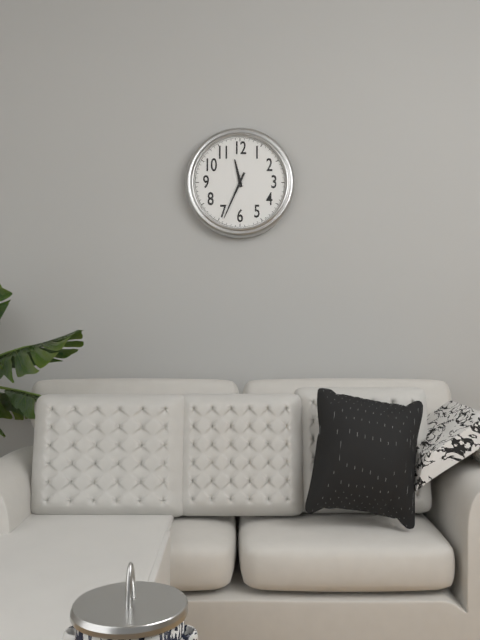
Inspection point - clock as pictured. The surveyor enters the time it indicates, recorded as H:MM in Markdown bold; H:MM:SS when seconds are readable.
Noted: **11:34**
